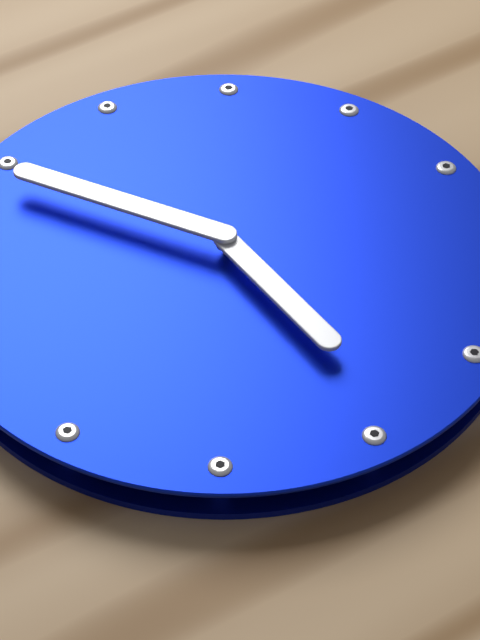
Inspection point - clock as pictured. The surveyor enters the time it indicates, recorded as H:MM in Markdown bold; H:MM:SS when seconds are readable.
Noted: **4:49**
